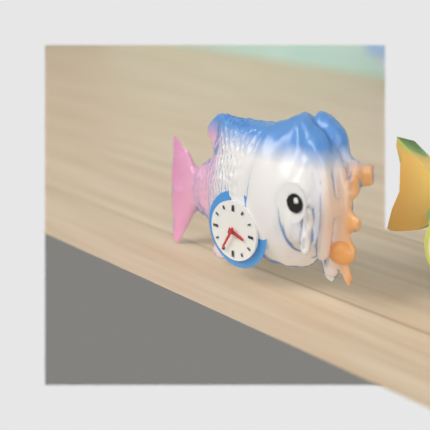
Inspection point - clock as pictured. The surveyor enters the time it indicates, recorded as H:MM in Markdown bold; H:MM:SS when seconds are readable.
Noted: **3:35**
